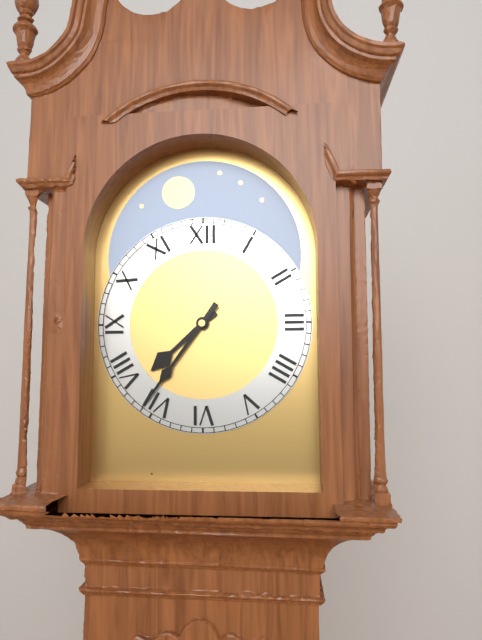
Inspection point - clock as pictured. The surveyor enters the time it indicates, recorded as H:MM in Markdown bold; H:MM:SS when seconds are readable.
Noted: **7:36**
